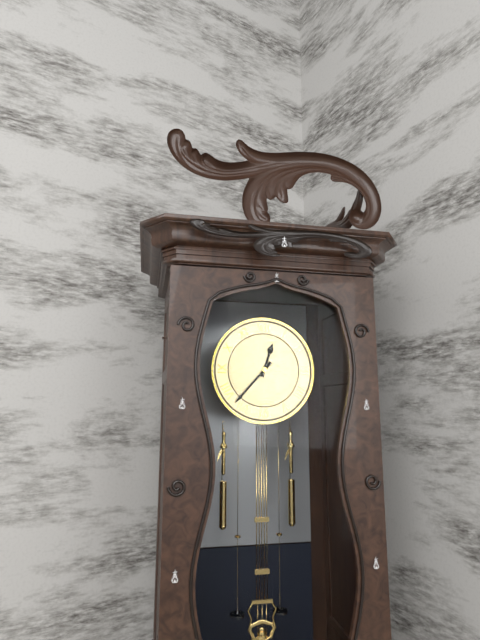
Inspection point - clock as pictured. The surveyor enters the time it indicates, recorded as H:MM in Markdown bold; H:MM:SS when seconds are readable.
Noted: **12:37**
